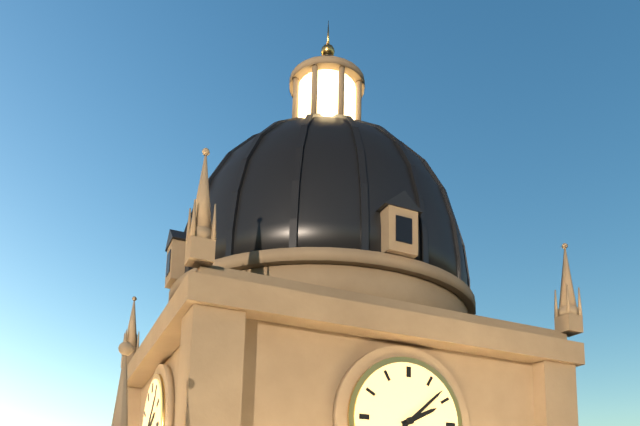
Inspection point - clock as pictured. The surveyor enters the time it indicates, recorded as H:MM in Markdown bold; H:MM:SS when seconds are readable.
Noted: **2:08**
